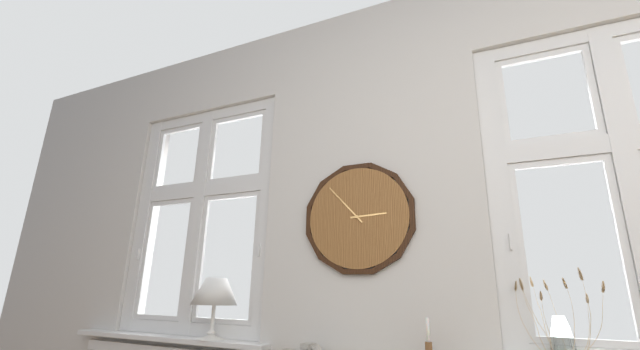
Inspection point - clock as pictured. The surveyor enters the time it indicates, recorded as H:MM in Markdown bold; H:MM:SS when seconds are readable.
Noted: **2:53**
